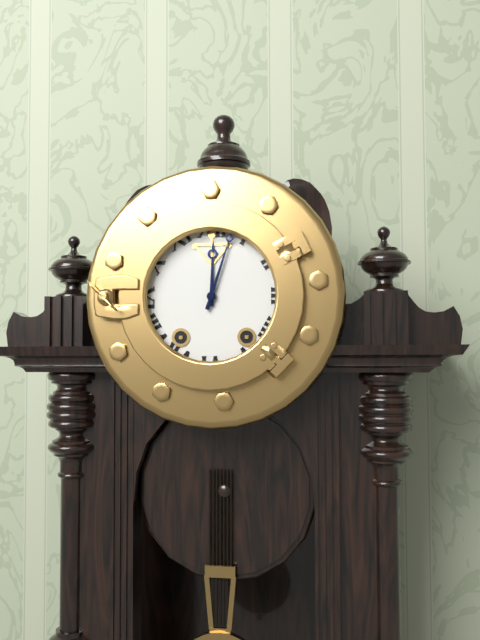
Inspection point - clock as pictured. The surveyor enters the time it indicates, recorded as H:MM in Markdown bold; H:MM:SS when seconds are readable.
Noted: **12:03**
